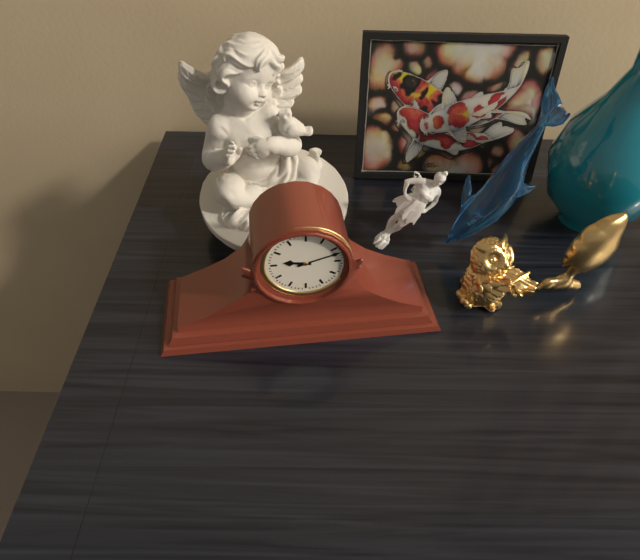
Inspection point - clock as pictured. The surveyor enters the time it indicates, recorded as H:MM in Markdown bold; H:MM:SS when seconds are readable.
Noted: **9:12**
